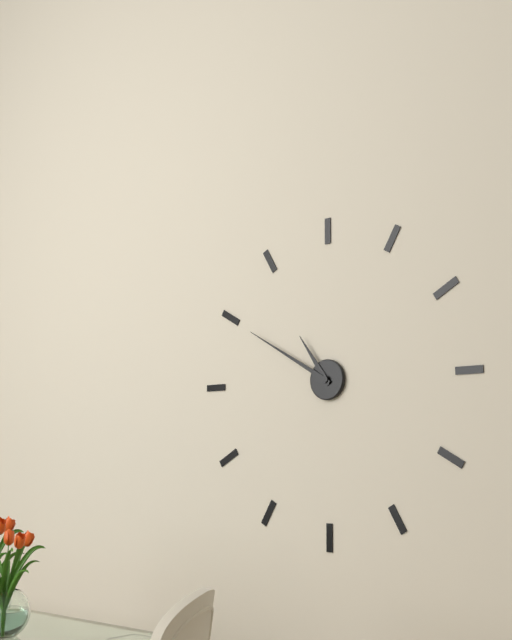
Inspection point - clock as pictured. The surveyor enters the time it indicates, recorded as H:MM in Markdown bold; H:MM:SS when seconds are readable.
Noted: **10:50**
